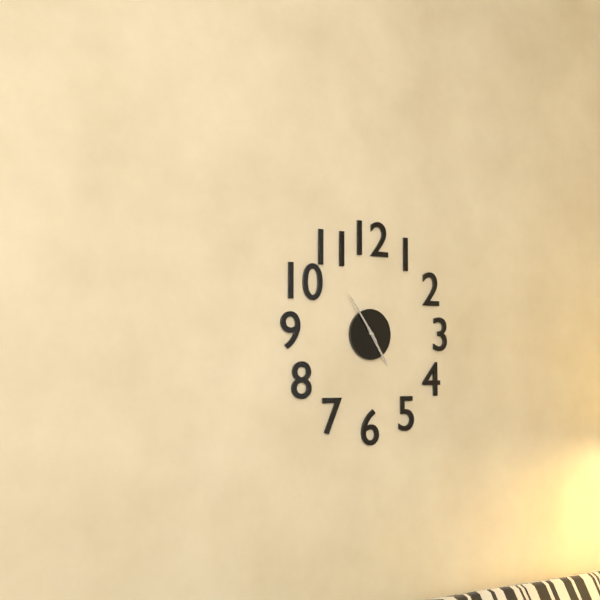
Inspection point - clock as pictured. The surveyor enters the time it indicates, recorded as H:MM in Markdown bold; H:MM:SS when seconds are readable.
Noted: **4:54**
